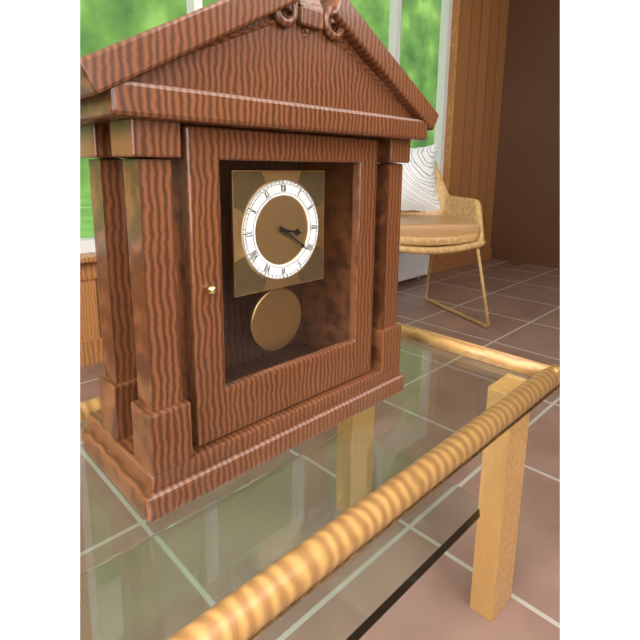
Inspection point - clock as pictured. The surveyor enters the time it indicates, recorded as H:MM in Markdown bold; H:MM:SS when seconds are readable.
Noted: **3:21**
